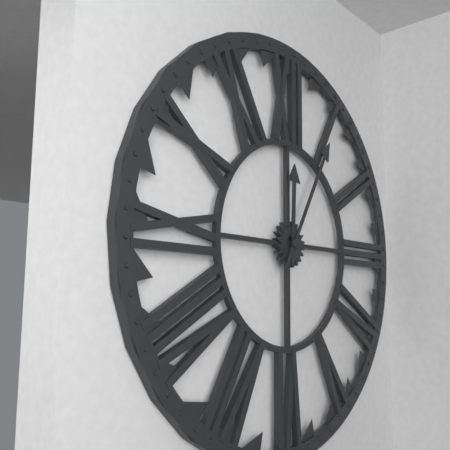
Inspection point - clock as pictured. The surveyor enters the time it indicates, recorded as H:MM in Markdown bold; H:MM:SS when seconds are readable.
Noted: **12:05**
